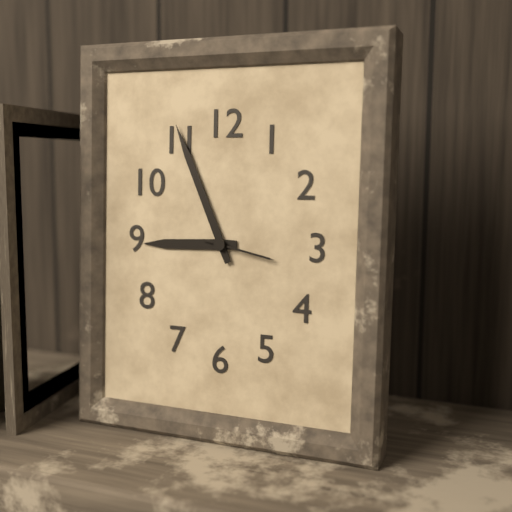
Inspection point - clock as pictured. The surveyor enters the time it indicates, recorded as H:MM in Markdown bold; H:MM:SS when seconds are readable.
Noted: **8:56:17**
